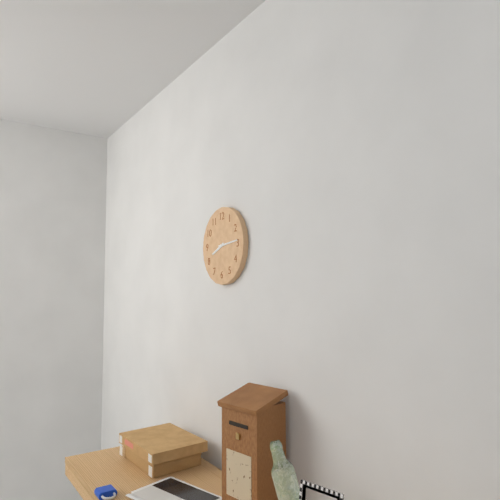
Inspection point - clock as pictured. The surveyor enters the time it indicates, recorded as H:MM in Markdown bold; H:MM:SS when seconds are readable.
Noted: **8:14**
